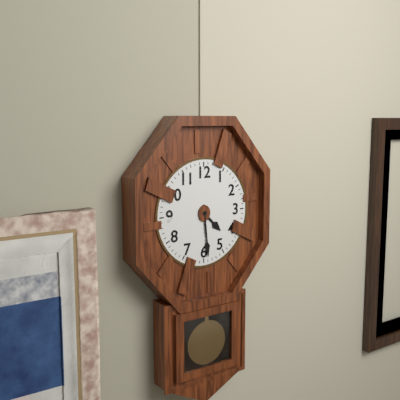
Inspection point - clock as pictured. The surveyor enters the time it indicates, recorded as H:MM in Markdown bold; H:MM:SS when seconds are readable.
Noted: **4:29**
